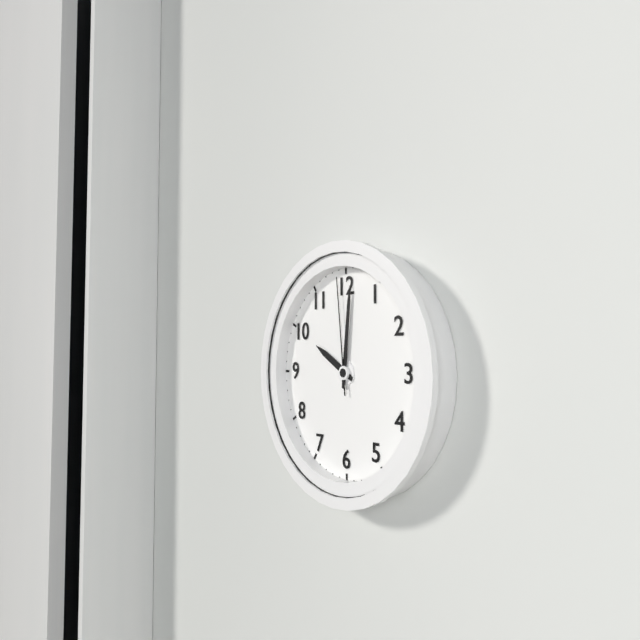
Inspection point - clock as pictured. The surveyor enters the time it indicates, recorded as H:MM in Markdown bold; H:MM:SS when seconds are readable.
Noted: **10:01:59**
